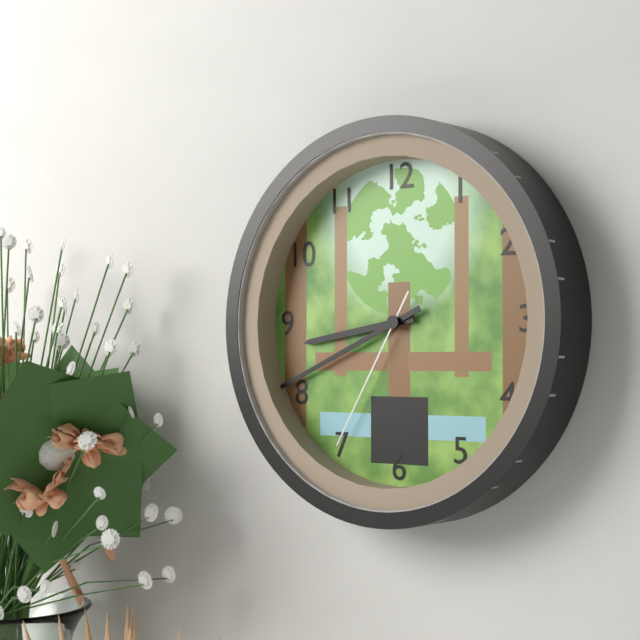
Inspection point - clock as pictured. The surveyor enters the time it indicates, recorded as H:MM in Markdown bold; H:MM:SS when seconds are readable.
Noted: **8:41:35**
